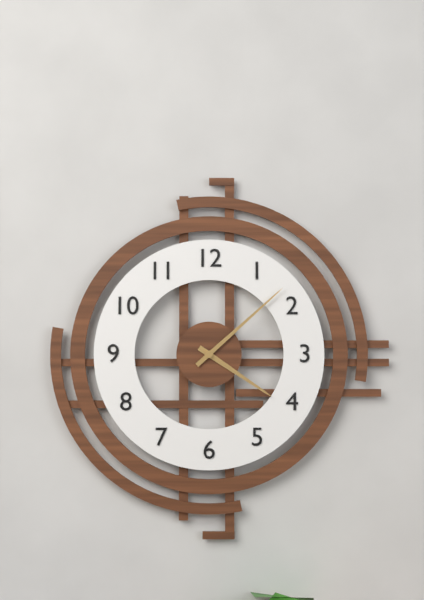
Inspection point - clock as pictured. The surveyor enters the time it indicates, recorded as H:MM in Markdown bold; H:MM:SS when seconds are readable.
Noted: **4:08**
